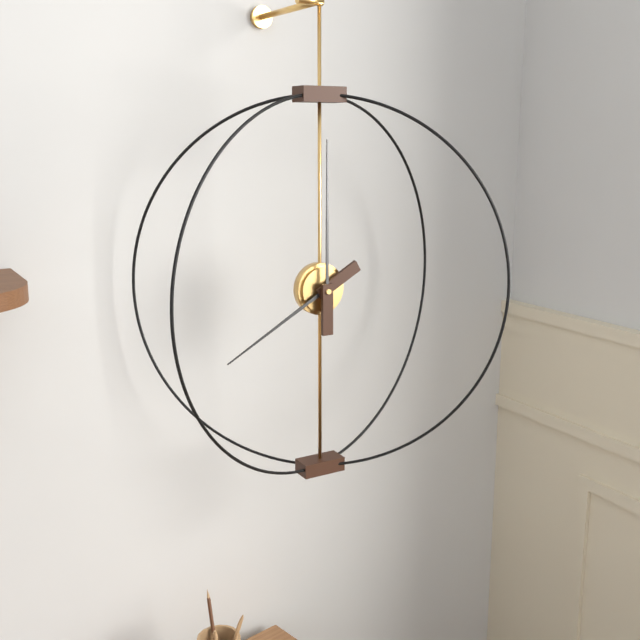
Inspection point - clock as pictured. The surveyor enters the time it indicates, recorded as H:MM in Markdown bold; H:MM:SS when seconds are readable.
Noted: **8:00**
